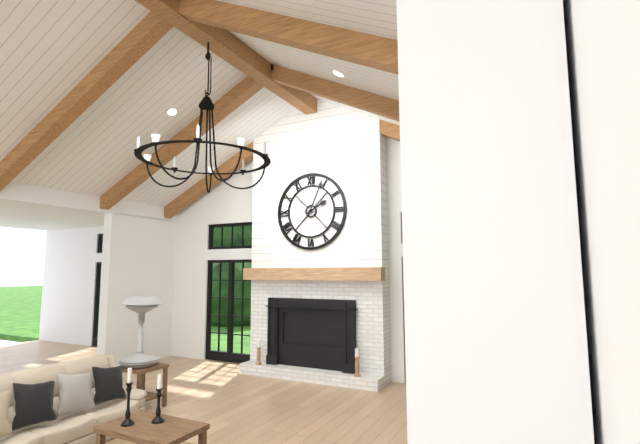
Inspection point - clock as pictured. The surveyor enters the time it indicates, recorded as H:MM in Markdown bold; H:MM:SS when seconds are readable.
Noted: **2:04**
